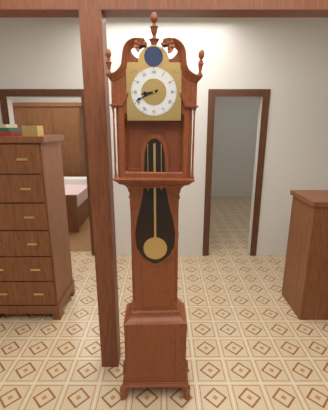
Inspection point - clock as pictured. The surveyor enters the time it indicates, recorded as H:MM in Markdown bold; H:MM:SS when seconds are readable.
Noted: **8:41**
